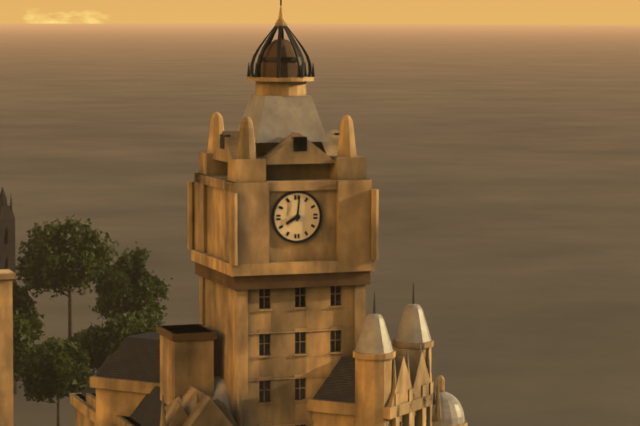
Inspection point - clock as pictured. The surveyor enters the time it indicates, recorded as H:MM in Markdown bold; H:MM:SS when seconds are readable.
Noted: **8:01**
